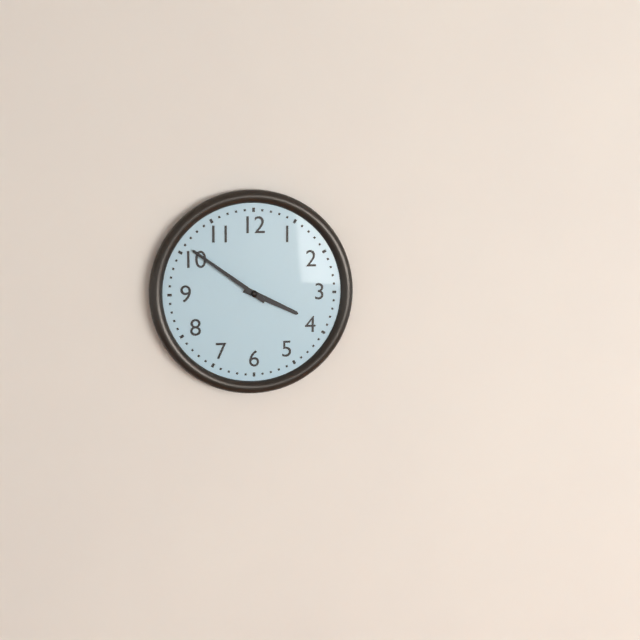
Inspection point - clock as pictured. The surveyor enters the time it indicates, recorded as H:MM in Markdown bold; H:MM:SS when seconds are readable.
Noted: **3:51**
